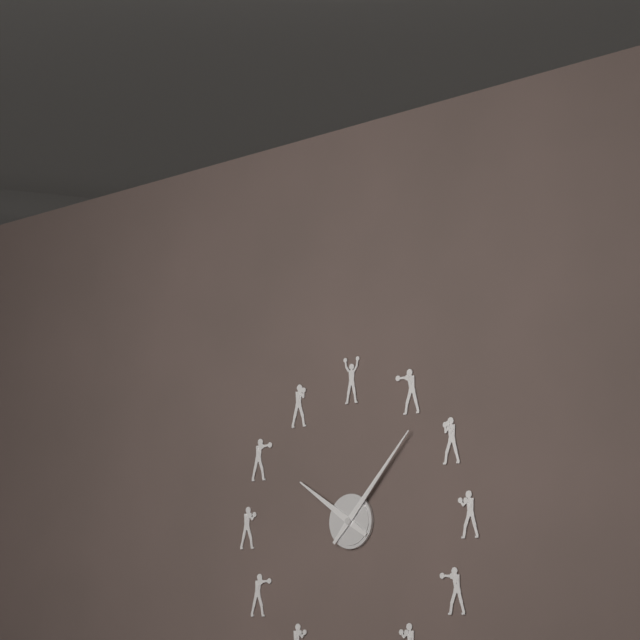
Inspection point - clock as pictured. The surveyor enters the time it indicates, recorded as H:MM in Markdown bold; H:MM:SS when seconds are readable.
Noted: **10:07**
